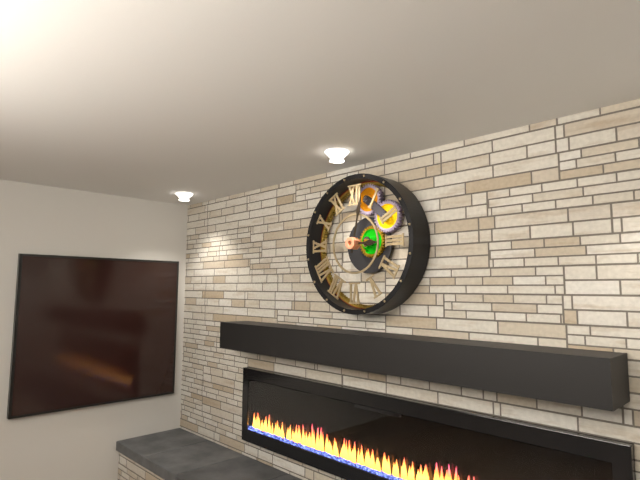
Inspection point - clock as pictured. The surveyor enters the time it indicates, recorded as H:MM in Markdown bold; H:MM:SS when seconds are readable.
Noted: **3:02**
